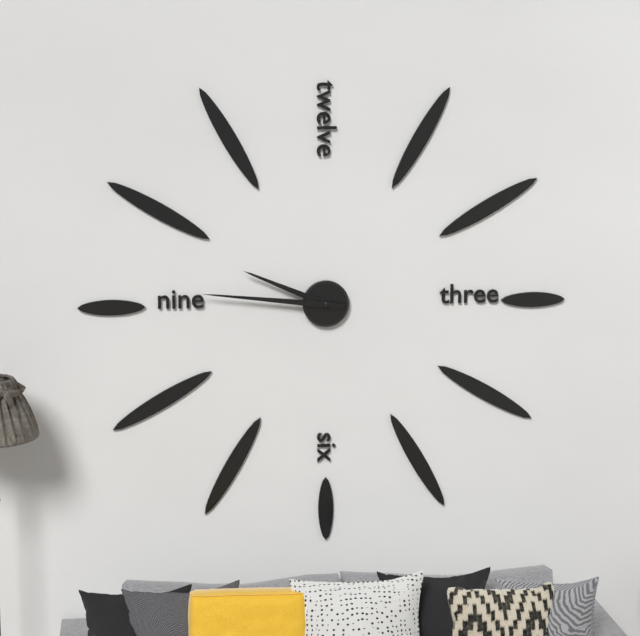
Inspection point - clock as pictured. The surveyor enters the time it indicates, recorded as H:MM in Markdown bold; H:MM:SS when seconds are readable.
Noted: **9:46**
